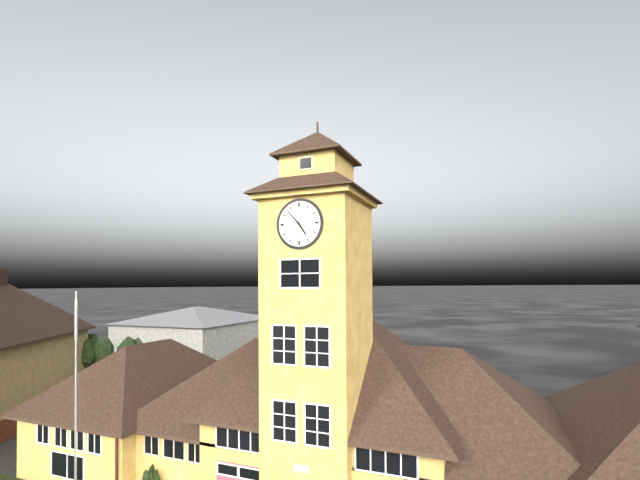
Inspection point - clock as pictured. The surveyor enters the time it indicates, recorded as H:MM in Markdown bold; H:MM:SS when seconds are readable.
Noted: **4:53**
